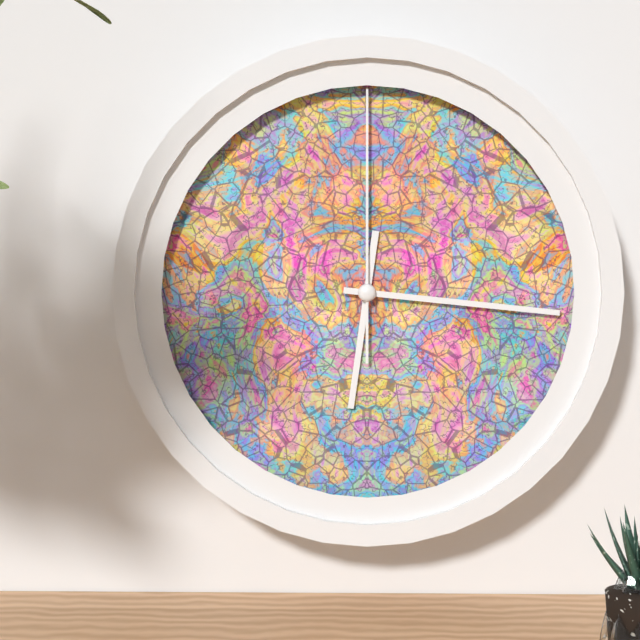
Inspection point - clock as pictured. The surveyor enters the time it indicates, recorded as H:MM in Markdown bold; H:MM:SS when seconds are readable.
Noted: **6:16:00**
